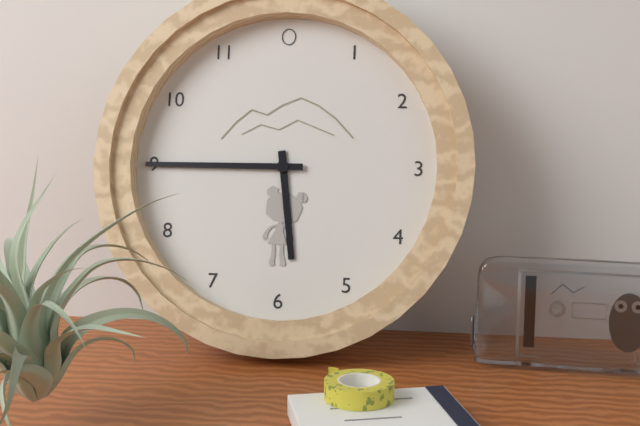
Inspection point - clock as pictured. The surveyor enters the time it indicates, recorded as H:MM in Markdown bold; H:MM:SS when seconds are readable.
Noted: **5:45**
